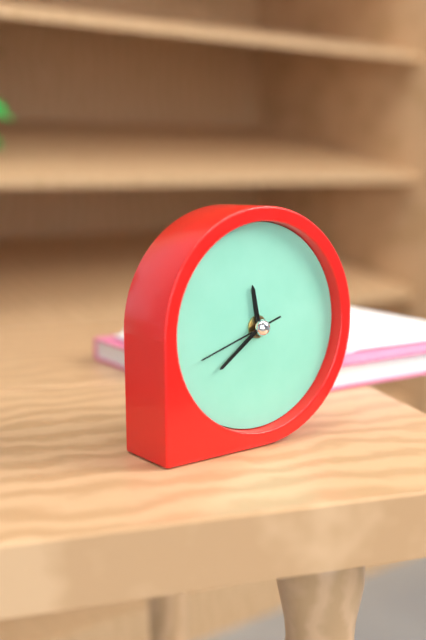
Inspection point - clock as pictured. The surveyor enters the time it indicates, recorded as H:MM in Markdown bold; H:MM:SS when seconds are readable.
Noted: **11:39:42**
